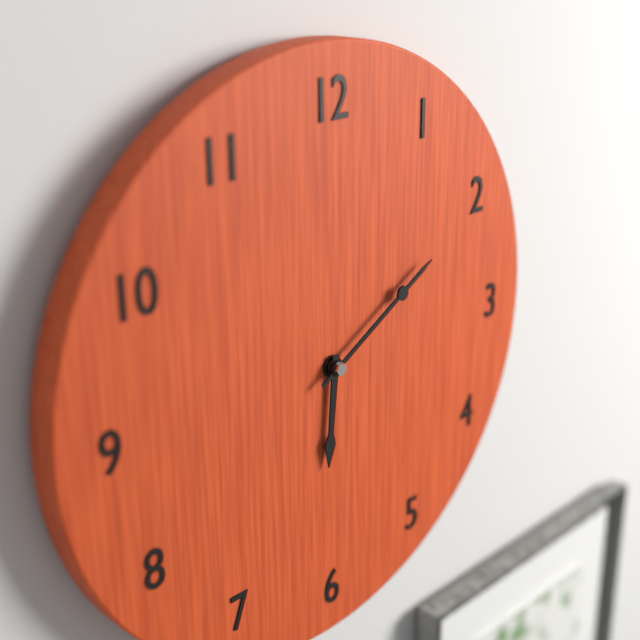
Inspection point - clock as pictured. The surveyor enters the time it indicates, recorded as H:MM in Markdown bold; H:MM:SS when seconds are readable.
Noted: **6:10**
